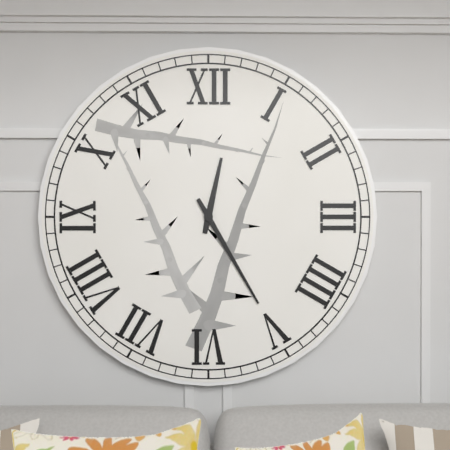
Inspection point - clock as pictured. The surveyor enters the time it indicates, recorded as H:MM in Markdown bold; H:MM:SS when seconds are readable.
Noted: **12:25**
